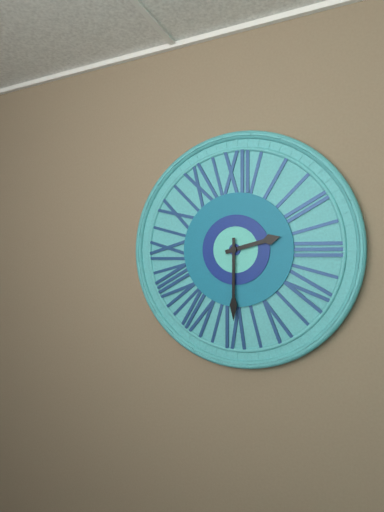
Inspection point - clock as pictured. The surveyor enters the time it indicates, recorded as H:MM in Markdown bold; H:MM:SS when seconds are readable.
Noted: **2:30**
